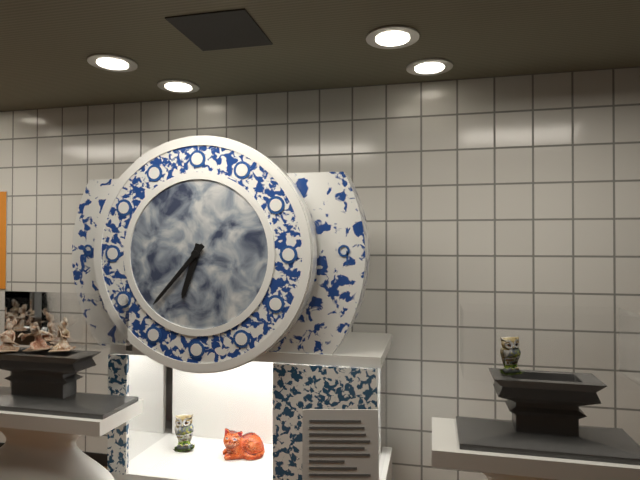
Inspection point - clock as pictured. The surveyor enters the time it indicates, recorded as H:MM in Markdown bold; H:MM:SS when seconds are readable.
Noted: **6:37**
